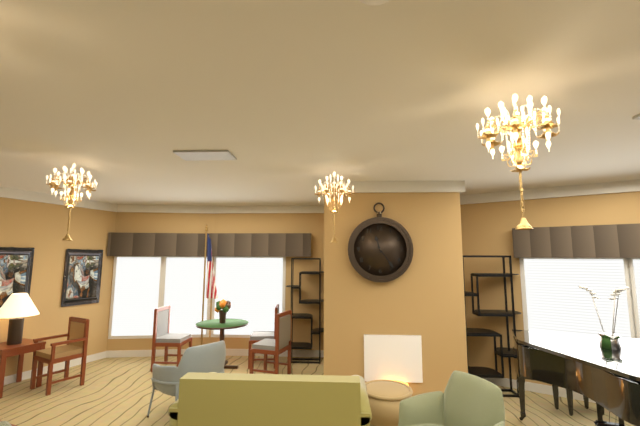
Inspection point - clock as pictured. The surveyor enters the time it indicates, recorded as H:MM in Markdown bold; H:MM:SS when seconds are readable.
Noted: **11:24**
